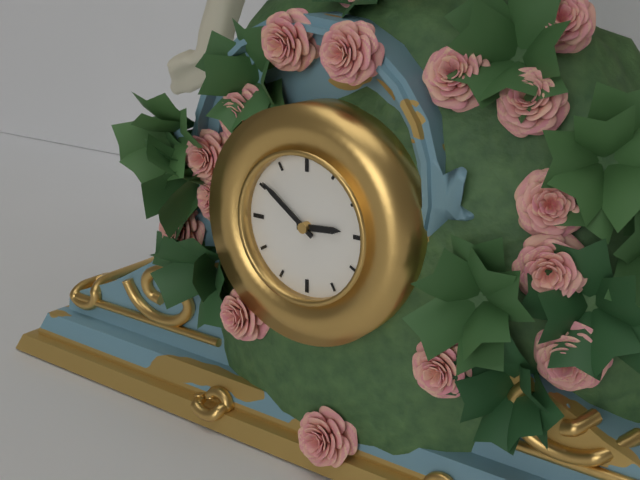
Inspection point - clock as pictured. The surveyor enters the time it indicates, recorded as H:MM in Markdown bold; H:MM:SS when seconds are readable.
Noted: **2:51**
